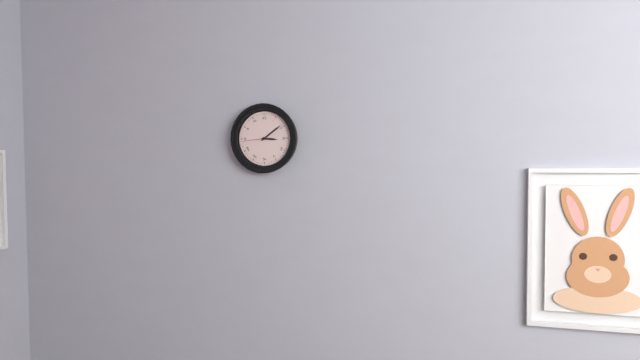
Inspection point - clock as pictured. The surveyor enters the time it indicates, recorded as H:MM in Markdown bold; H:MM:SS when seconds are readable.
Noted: **3:09**
